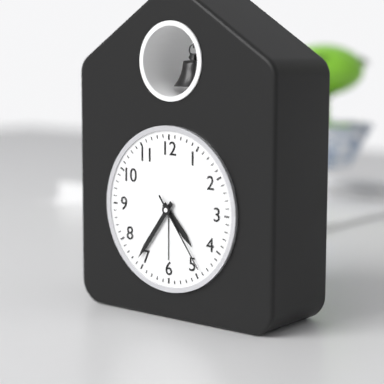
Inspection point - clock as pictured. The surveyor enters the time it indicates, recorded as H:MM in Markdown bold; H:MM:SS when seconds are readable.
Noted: **4:36:24**
